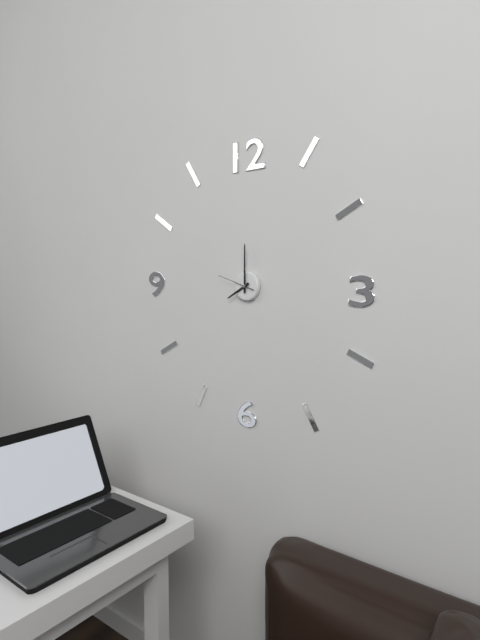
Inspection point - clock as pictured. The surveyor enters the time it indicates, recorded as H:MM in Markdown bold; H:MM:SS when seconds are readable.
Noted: **8:00**
